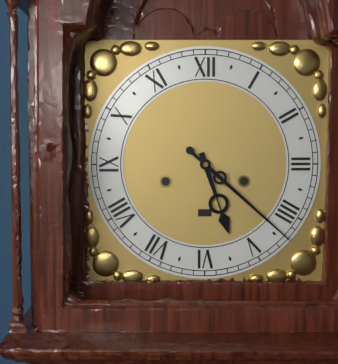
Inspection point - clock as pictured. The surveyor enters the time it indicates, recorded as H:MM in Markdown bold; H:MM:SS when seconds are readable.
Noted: **5:22**
